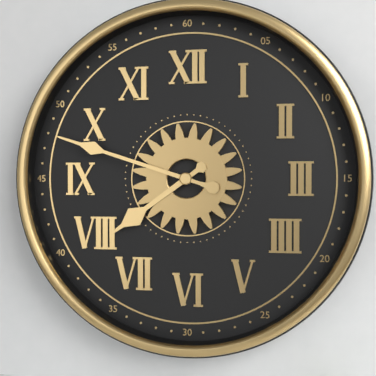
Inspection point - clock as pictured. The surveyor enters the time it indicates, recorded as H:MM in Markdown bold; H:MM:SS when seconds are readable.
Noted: **7:48**
